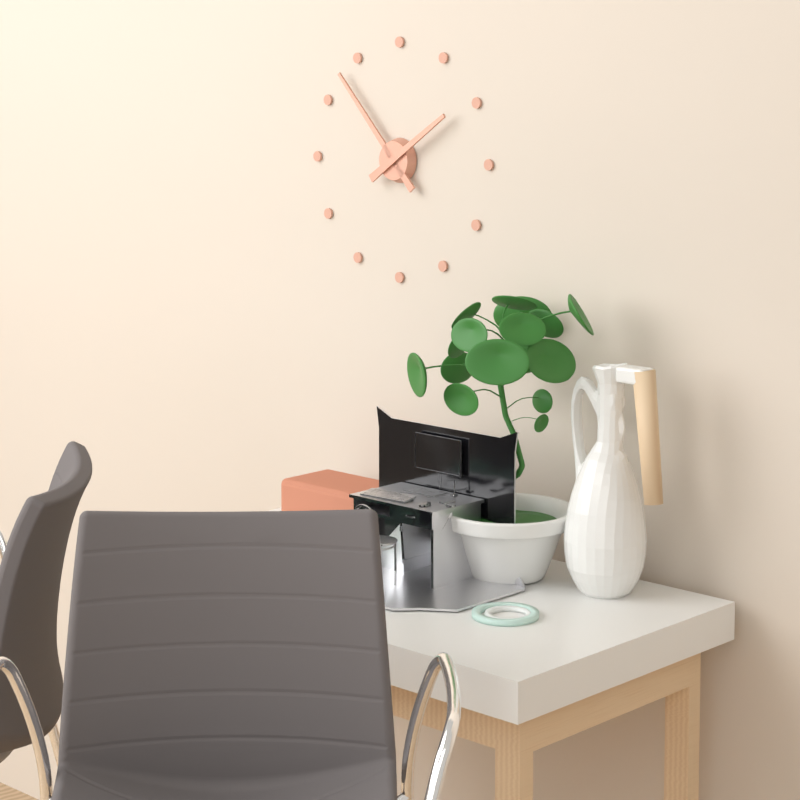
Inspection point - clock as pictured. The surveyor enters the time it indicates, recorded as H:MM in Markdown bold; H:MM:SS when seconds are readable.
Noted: **1:53**
